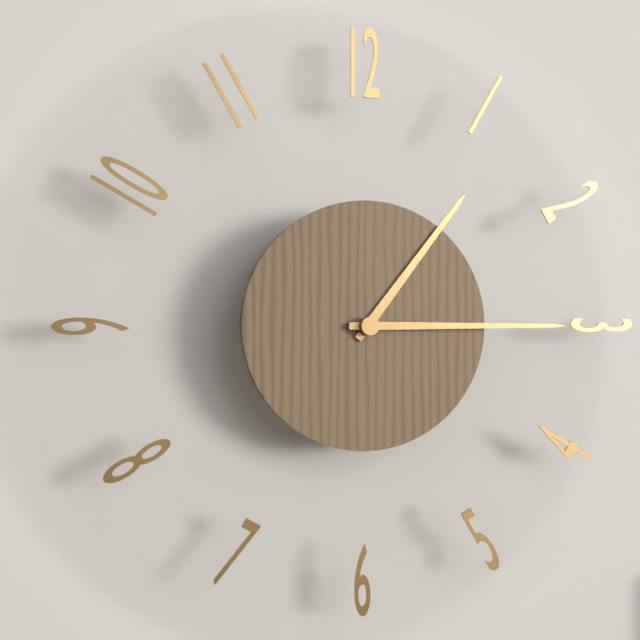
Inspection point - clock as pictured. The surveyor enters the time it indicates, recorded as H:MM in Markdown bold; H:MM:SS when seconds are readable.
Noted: **1:15**
